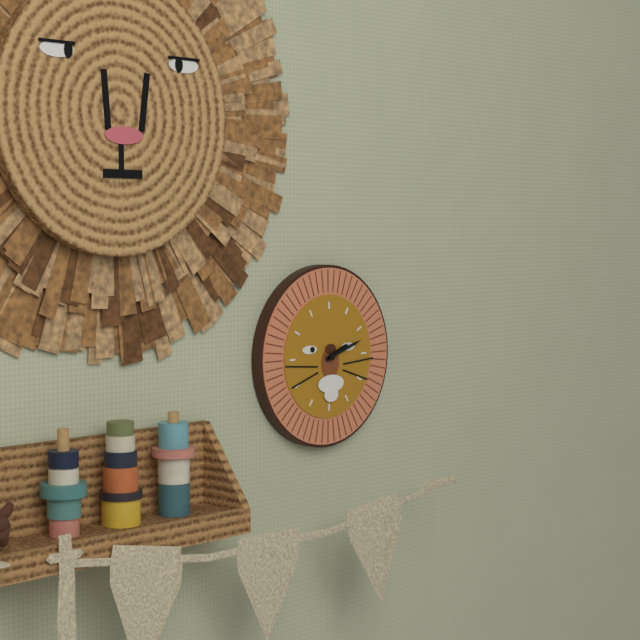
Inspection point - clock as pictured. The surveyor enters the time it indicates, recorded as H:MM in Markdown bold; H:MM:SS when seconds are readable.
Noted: **2:12**
